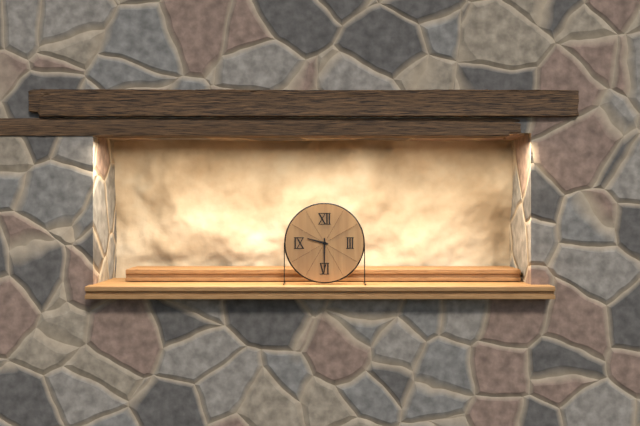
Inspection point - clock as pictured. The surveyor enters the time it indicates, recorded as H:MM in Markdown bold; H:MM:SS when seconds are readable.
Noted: **9:30**
